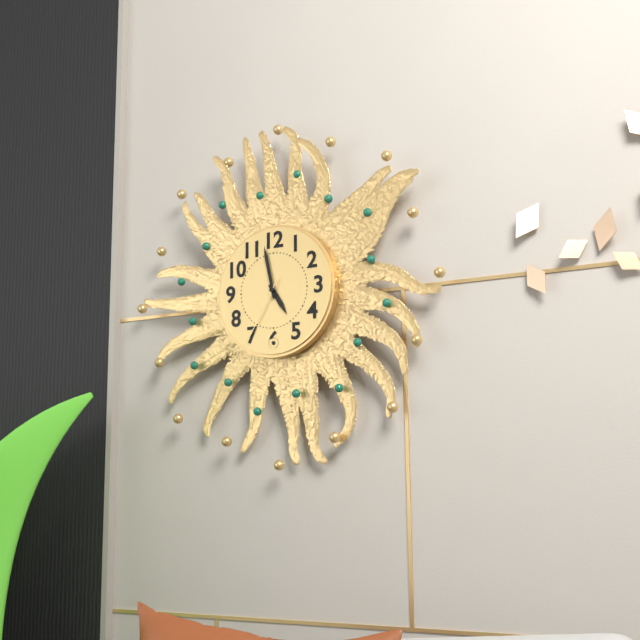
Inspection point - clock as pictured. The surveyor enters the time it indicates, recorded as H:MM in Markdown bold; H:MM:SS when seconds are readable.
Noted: **4:58:35**
